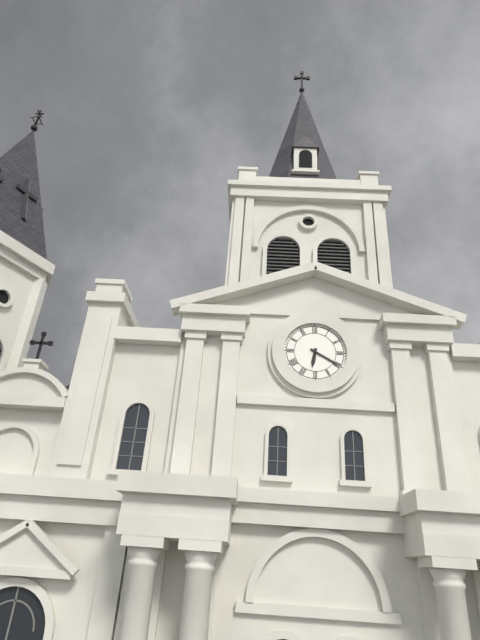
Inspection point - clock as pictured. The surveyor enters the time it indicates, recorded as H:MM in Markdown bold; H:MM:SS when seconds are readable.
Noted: **6:20**
